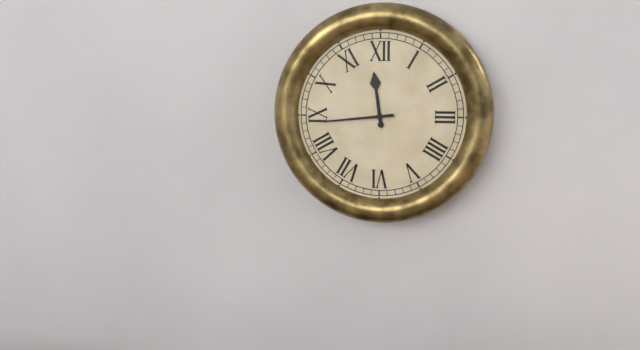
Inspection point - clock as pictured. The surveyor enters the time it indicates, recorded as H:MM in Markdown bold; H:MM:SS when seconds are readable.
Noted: **11:44**
